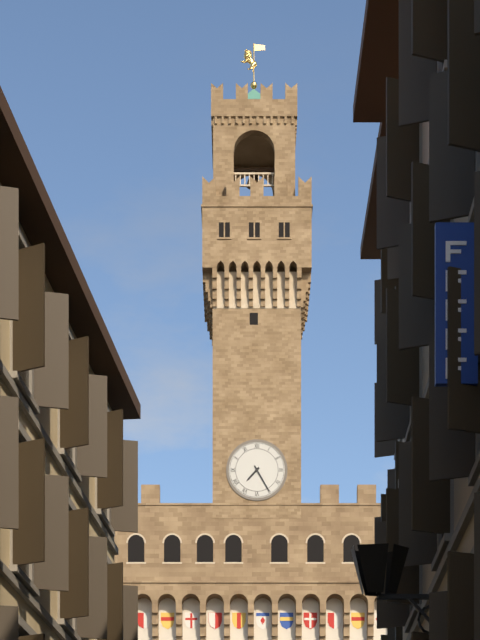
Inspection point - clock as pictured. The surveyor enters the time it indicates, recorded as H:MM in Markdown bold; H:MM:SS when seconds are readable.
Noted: **7:25**
